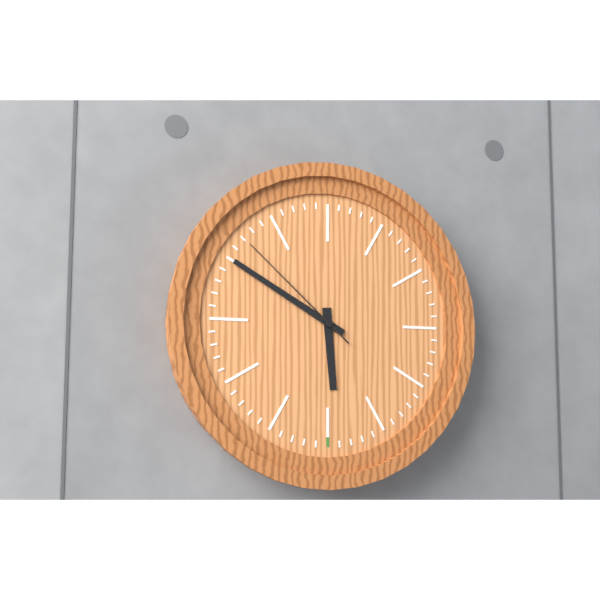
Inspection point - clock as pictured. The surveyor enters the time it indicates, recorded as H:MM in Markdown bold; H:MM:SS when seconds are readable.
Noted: **5:50:52**
